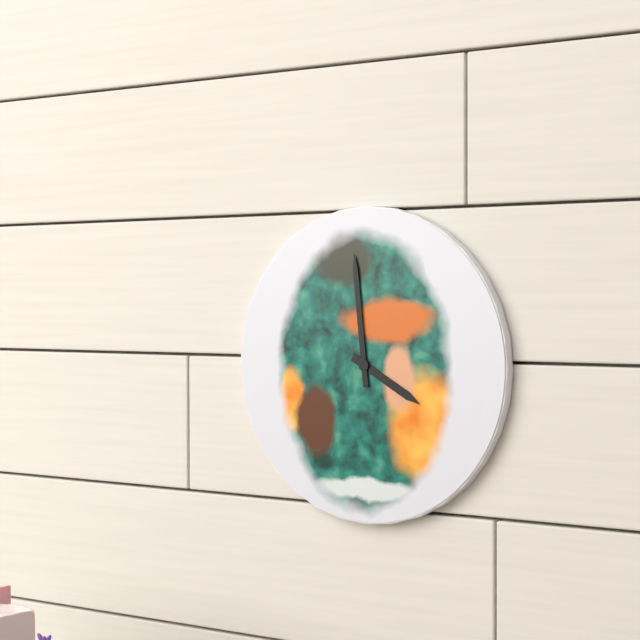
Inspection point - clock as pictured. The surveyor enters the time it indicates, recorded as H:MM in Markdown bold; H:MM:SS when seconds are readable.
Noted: **3:59**
